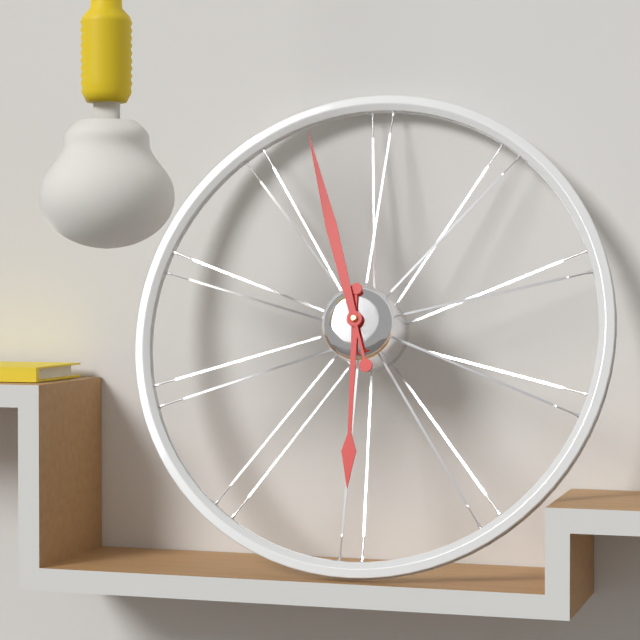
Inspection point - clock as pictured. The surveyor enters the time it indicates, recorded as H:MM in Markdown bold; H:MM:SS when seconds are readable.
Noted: **5:57**
